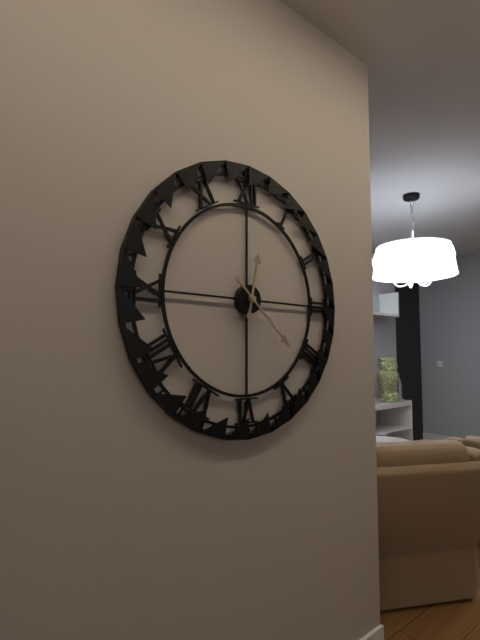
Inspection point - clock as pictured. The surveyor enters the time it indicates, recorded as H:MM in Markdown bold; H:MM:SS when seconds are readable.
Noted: **12:22**
